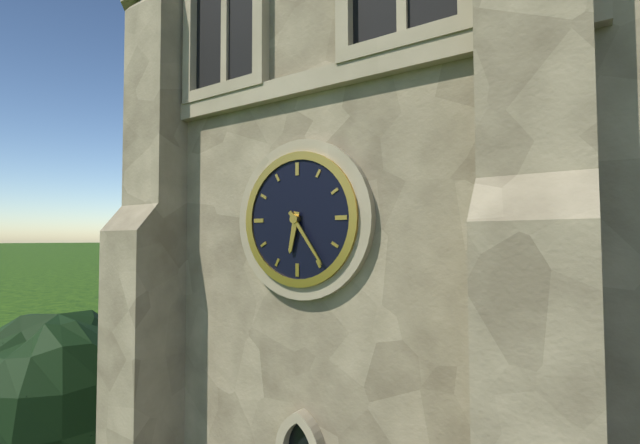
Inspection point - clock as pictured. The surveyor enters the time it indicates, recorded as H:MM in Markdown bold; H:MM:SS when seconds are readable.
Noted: **6:24**
